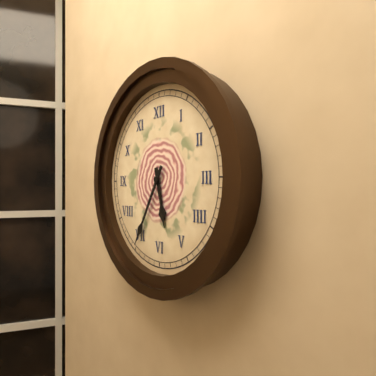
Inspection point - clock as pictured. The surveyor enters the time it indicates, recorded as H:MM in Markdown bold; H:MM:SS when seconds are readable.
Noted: **5:35**
